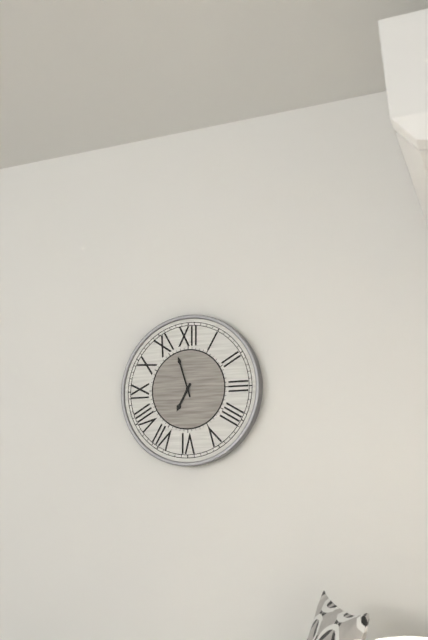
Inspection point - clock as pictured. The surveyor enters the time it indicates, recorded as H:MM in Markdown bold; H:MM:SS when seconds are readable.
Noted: **6:57**
